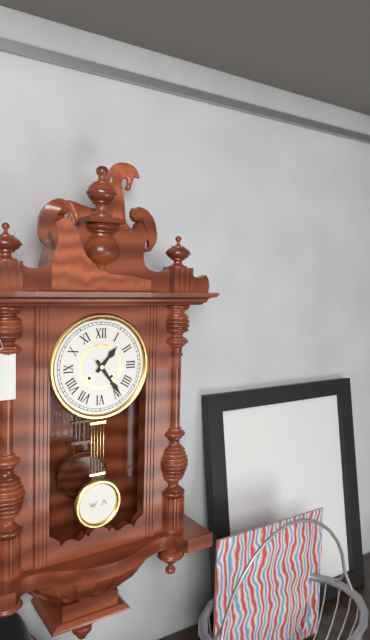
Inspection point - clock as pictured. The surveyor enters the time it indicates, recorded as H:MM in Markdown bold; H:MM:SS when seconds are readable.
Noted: **1:24**
